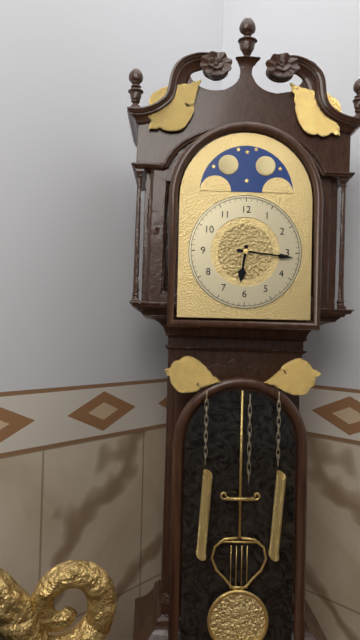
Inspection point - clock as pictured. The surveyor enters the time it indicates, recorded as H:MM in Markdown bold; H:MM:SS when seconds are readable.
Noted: **6:16**
